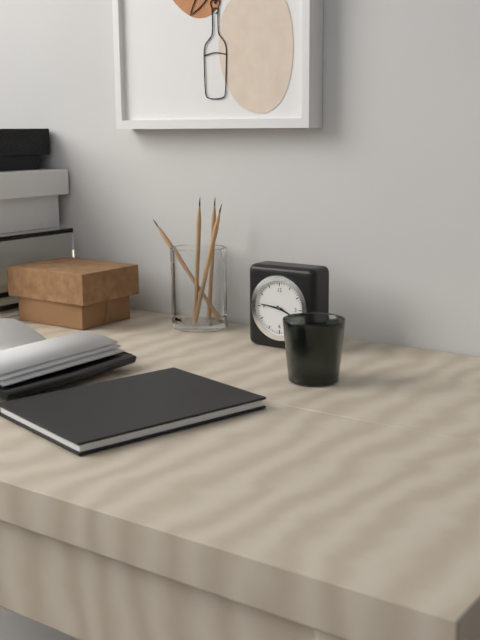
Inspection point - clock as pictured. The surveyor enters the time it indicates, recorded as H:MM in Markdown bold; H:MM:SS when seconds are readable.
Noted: **3:46**
